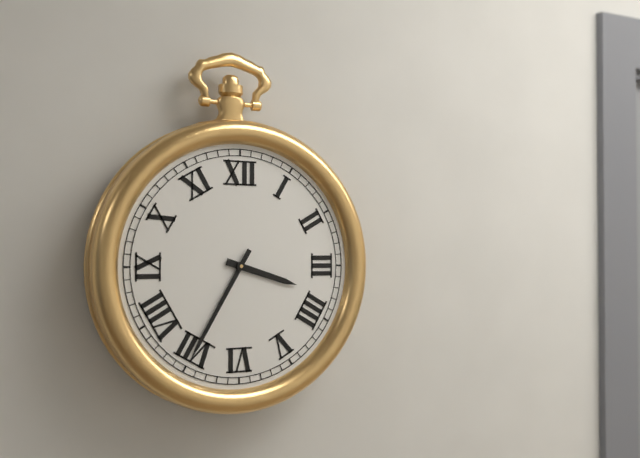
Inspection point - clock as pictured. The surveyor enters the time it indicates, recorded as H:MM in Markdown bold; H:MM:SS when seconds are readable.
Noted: **3:35**
